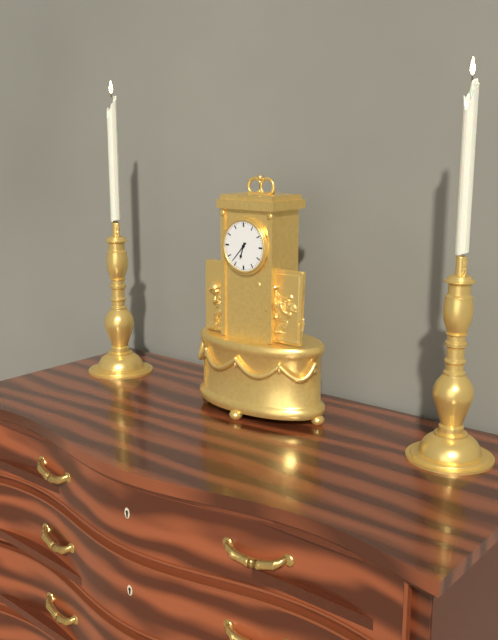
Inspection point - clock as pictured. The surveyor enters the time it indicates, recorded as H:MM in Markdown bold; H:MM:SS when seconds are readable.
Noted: **6:37**
